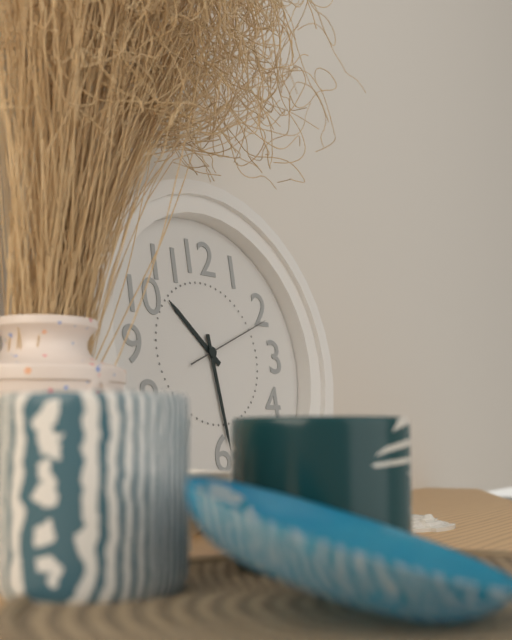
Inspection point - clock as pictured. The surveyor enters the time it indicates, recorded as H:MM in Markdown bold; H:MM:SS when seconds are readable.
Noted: **10:29:11**
